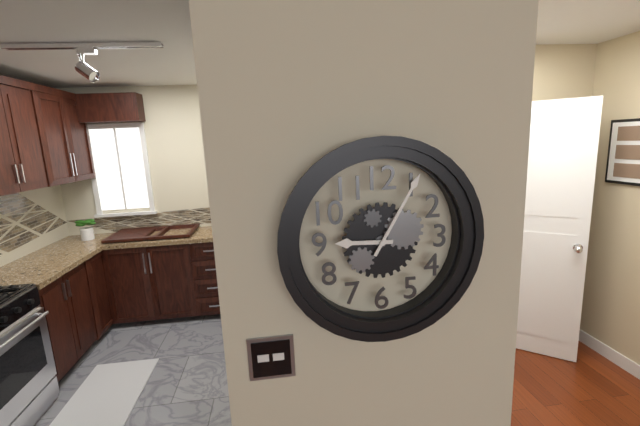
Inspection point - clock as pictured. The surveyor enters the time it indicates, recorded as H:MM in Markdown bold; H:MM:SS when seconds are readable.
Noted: **9:05**
